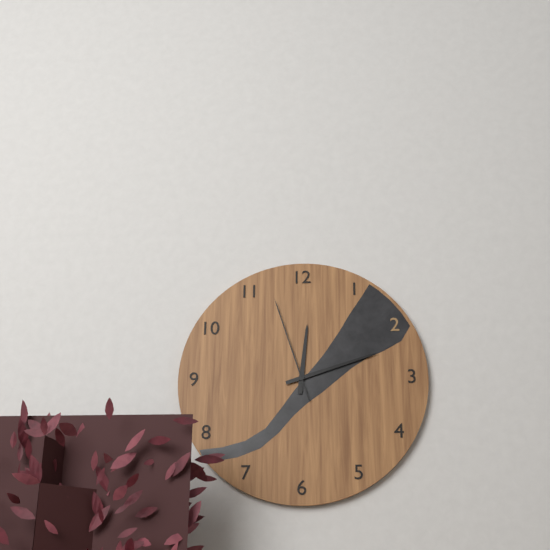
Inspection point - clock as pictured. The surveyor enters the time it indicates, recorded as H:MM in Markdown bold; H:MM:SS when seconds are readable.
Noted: **12:12:57**
